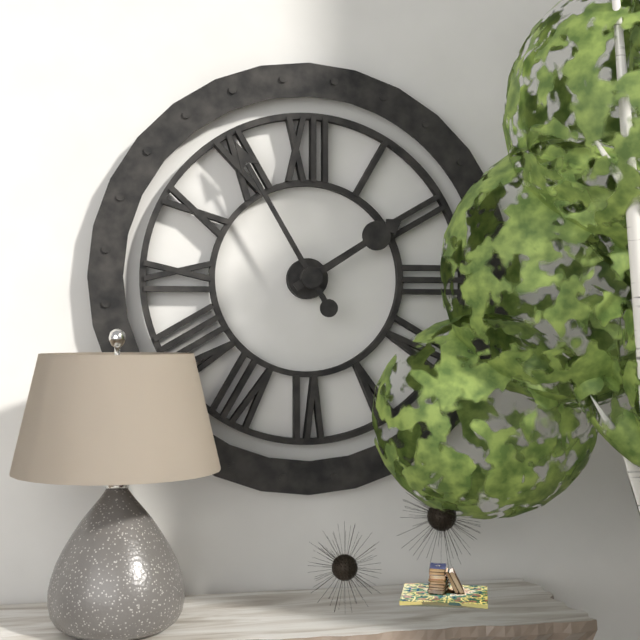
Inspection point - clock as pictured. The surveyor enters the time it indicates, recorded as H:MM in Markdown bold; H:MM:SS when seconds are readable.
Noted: **1:55**
